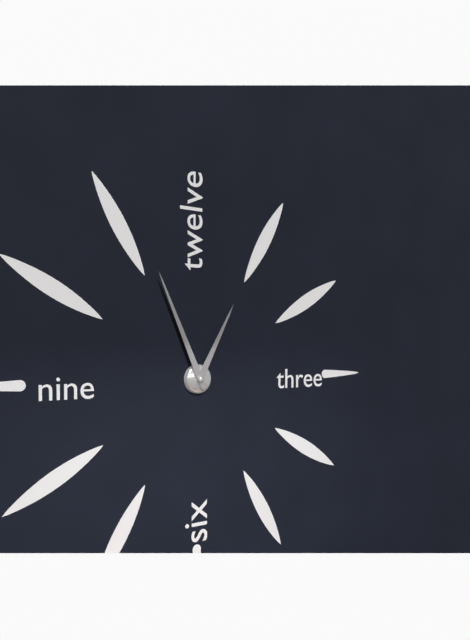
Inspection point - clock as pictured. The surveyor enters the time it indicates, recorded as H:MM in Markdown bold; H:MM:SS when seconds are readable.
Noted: **12:56**
